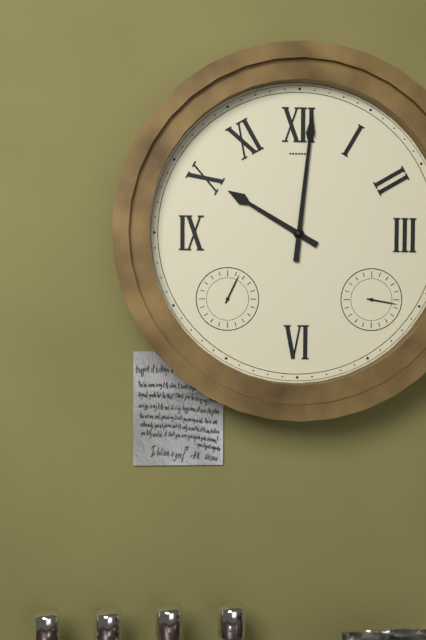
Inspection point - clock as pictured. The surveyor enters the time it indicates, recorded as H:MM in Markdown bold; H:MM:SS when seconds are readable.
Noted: **10:01**
